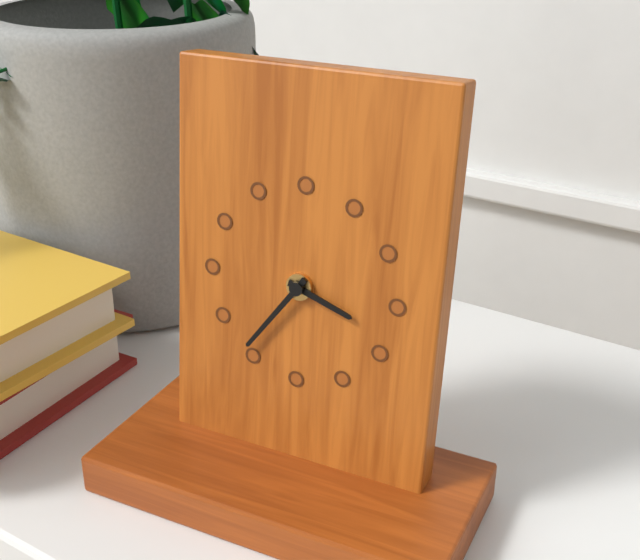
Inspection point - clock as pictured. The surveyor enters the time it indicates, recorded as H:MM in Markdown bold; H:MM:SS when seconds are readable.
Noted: **3:36**
